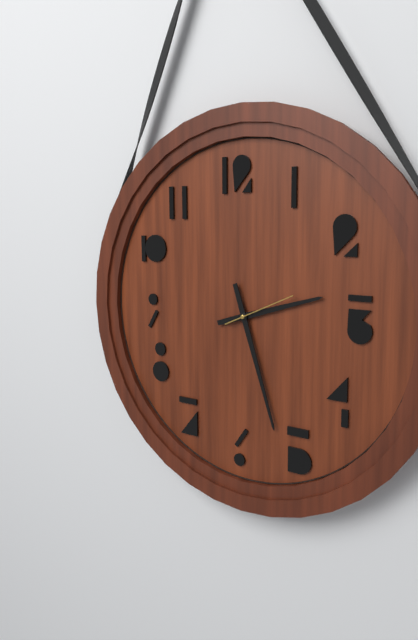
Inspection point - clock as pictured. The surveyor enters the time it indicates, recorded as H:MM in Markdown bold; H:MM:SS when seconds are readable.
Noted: **2:27:11**
